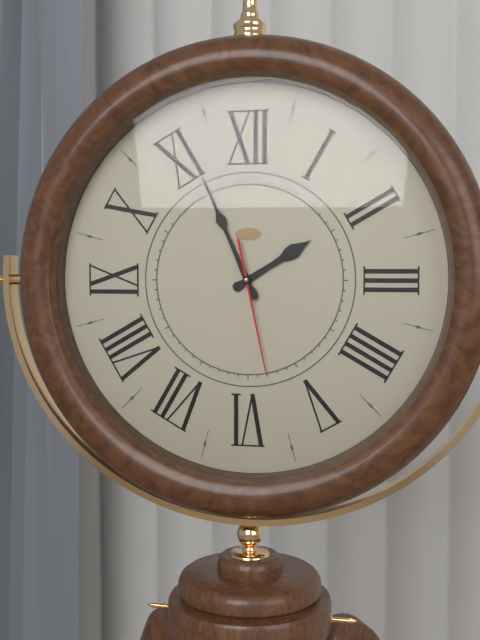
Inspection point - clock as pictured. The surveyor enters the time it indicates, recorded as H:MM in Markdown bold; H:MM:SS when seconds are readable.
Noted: **1:56:28**
